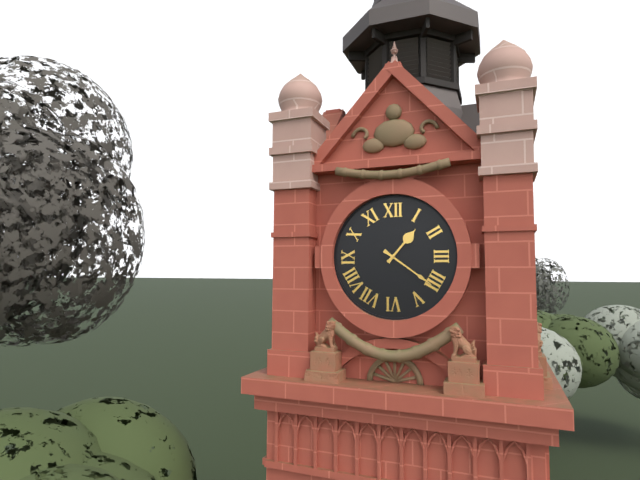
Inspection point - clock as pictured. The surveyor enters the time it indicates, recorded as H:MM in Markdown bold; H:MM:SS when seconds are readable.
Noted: **1:21**
